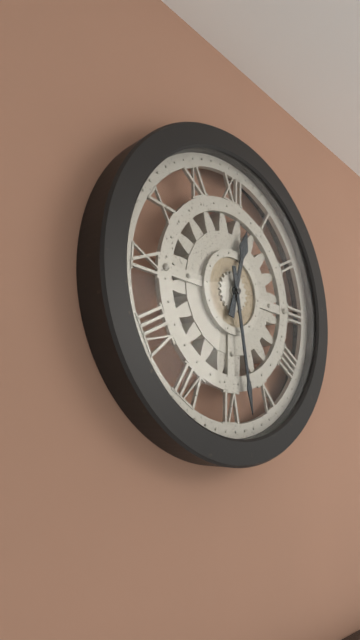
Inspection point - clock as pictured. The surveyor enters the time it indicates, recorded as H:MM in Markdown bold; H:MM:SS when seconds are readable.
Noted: **12:28**
